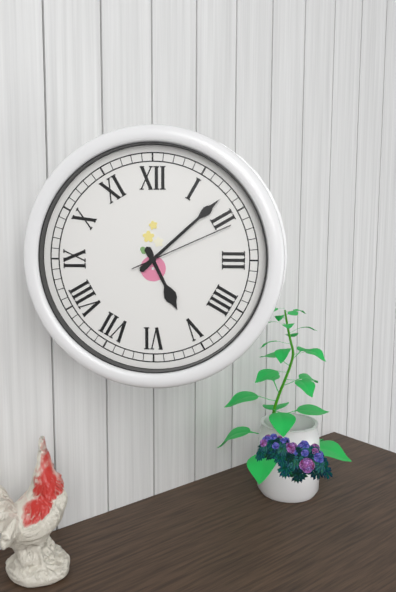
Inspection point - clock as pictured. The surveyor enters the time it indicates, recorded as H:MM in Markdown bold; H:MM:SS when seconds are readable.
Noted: **5:08:11**
